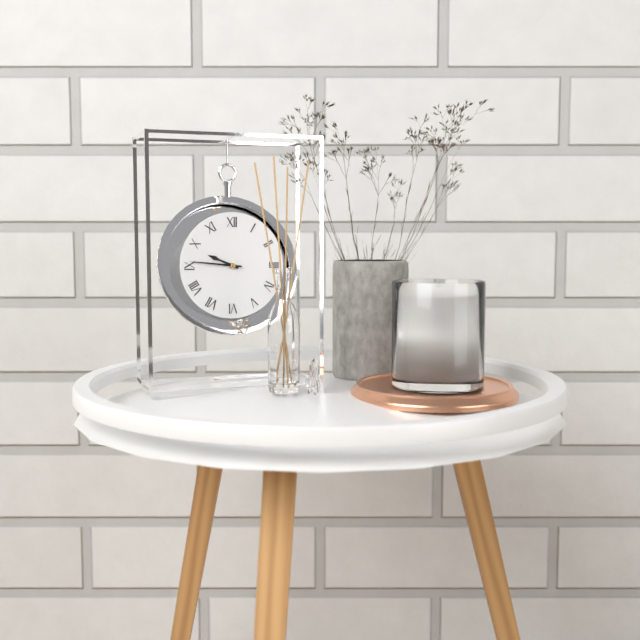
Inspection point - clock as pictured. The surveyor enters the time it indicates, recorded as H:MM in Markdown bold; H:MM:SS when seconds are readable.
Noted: **9:46**
